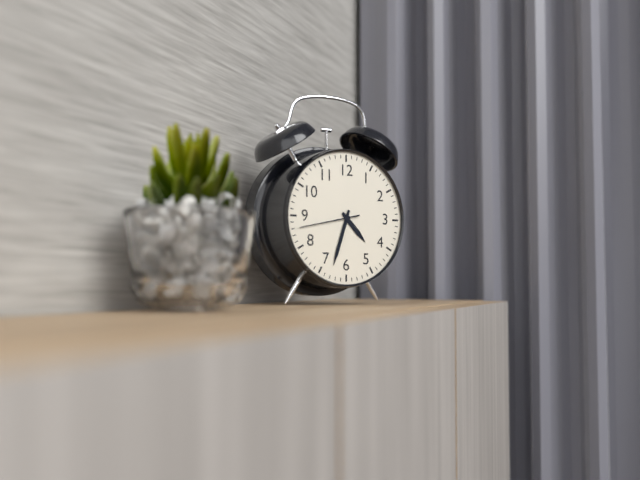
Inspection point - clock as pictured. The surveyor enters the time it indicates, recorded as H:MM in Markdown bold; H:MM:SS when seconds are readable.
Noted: **4:33**
